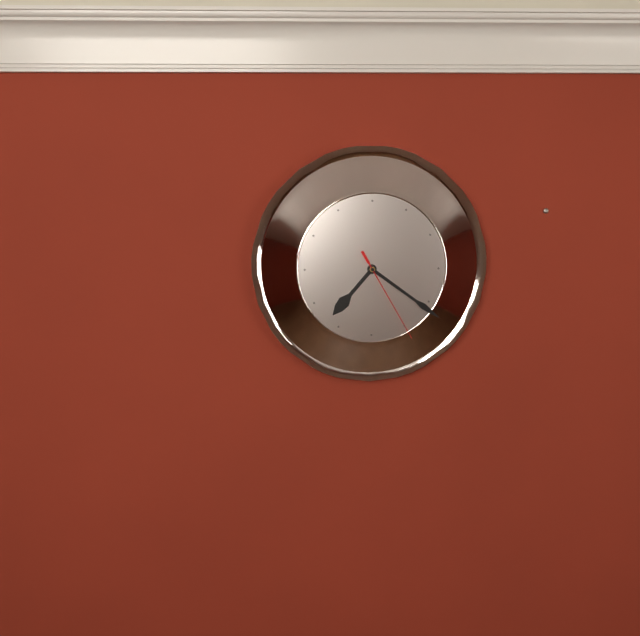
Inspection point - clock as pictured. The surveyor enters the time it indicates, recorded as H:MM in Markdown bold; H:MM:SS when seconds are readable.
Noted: **7:21:25**
